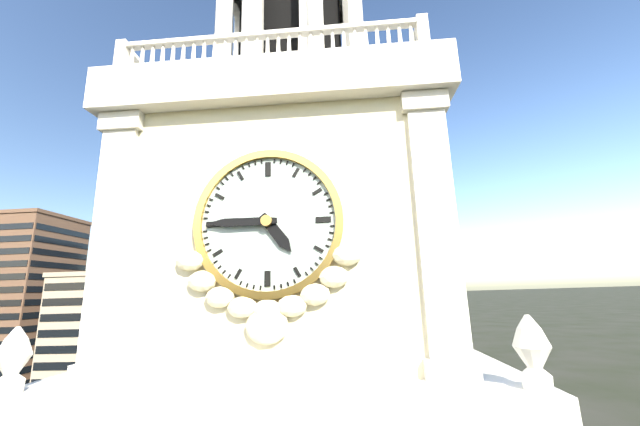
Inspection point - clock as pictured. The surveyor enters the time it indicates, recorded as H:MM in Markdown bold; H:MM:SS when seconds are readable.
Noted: **4:45**
